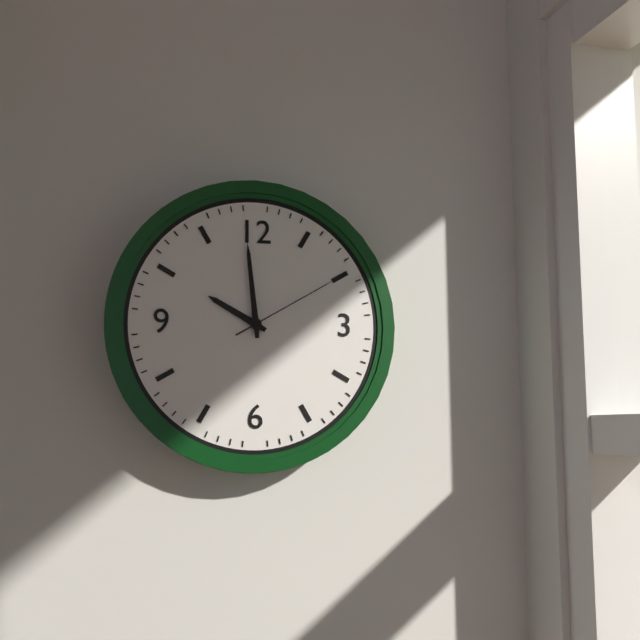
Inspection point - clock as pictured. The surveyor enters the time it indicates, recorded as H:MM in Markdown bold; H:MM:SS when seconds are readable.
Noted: **9:59:10**
